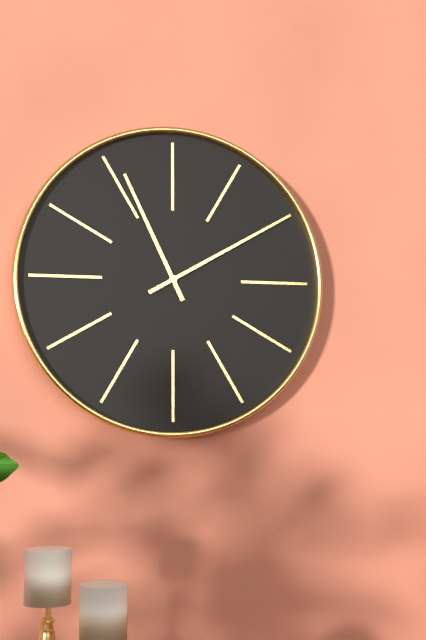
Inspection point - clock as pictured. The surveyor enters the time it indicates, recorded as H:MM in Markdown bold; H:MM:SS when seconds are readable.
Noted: **11:10**
